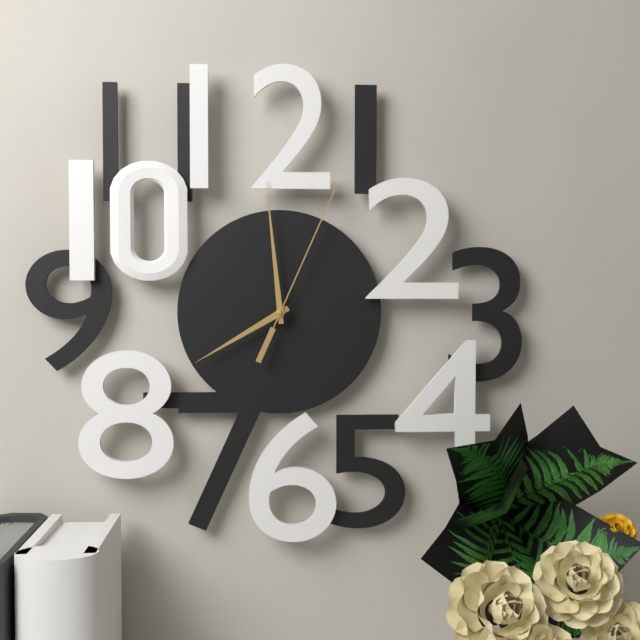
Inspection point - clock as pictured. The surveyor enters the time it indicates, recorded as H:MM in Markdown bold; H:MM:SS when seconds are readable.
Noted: **7:59:04**
